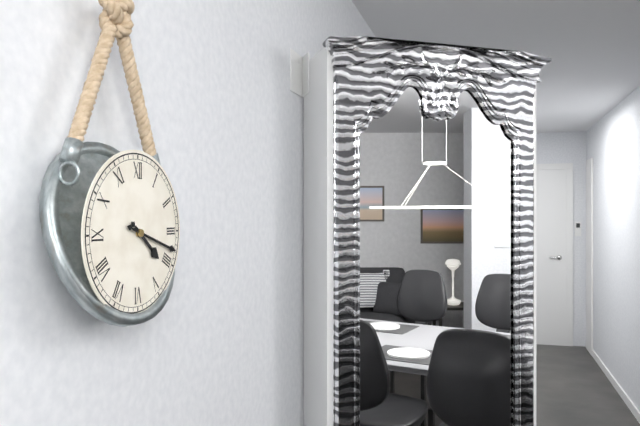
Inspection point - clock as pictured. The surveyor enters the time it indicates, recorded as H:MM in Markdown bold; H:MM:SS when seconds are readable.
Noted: **4:18**
